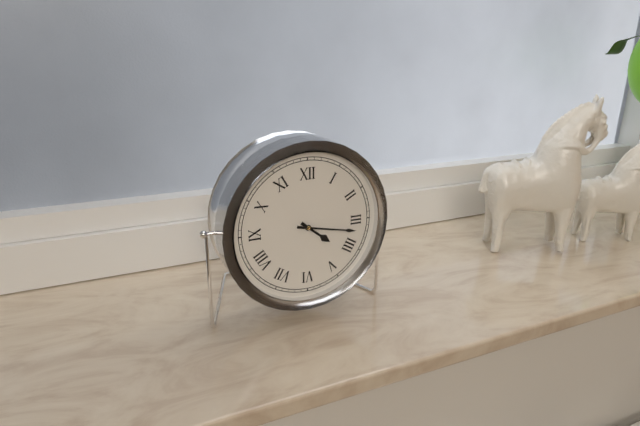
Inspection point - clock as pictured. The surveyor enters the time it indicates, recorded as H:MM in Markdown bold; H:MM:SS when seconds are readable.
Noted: **4:17**
